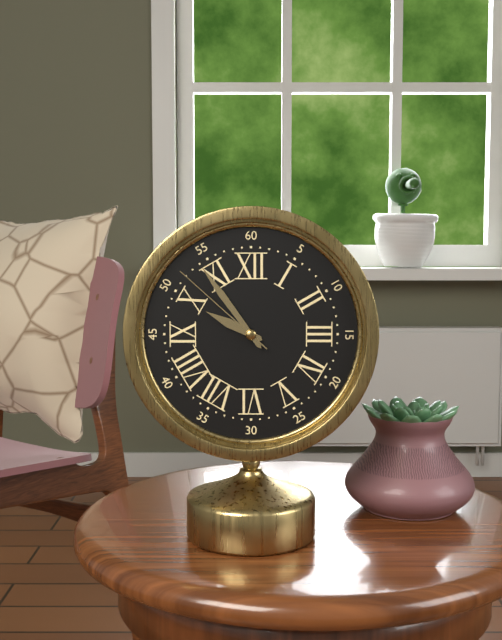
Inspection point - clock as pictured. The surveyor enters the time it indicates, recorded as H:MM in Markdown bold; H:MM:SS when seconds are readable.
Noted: **9:54:52**
